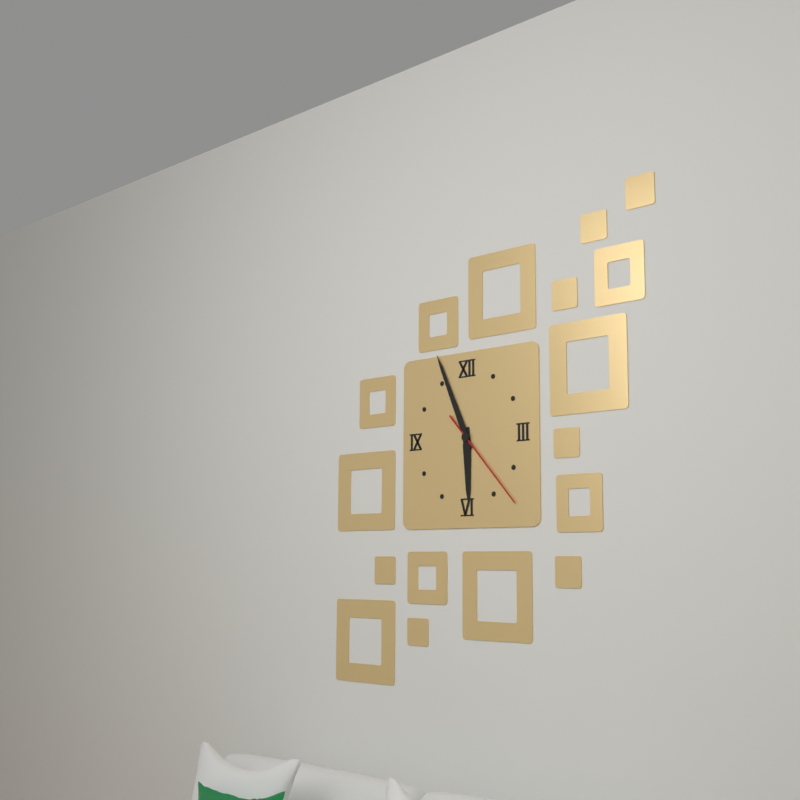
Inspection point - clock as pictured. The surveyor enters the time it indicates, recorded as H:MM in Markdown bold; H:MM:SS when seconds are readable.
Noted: **5:56:23**
